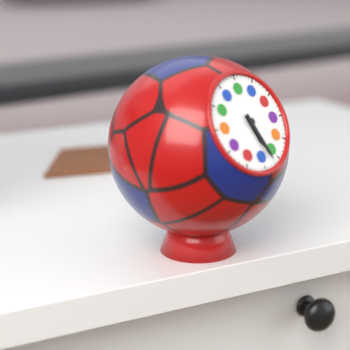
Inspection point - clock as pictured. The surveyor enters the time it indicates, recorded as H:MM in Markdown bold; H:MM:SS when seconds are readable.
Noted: **5:27**
